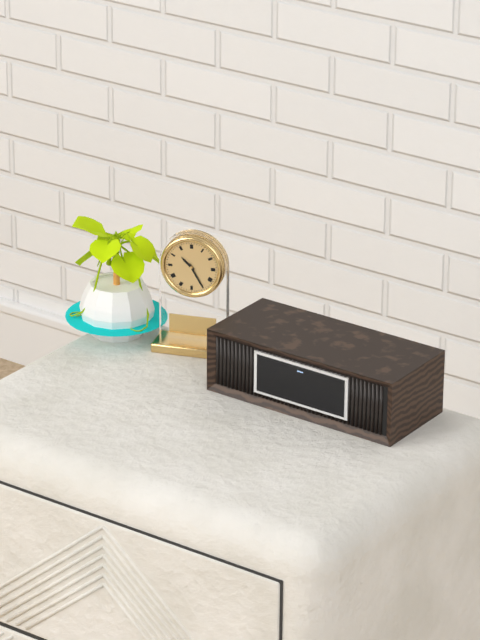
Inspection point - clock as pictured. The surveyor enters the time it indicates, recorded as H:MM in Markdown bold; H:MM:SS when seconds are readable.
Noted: **10:25**
